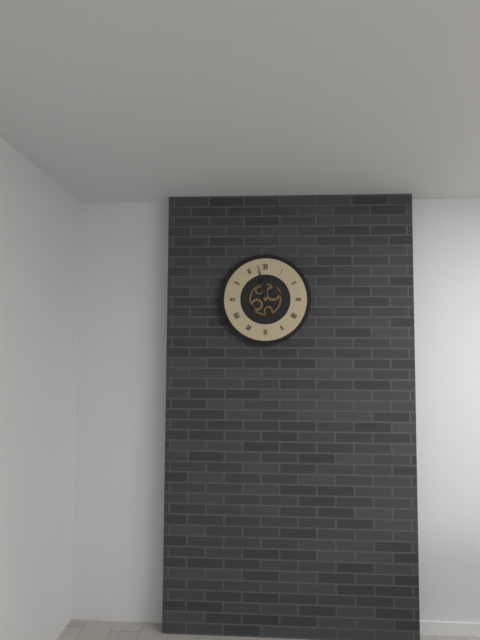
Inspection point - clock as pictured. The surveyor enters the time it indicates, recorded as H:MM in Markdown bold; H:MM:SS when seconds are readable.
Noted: **11:58**
